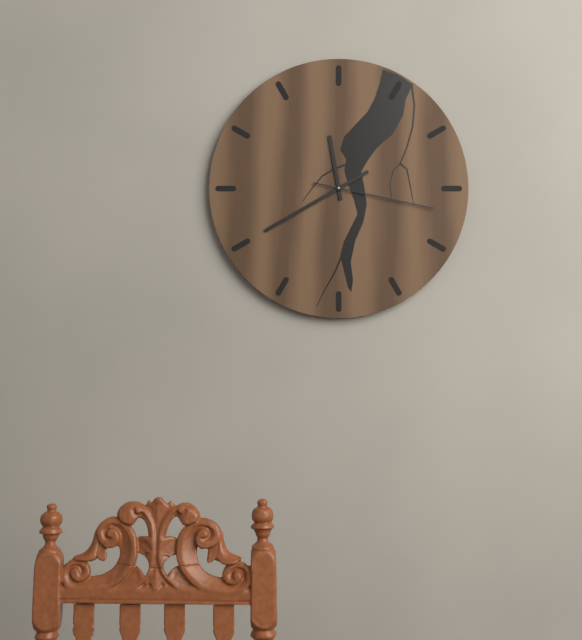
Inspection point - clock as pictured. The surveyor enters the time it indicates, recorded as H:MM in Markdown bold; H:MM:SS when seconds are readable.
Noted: **11:40:17**
